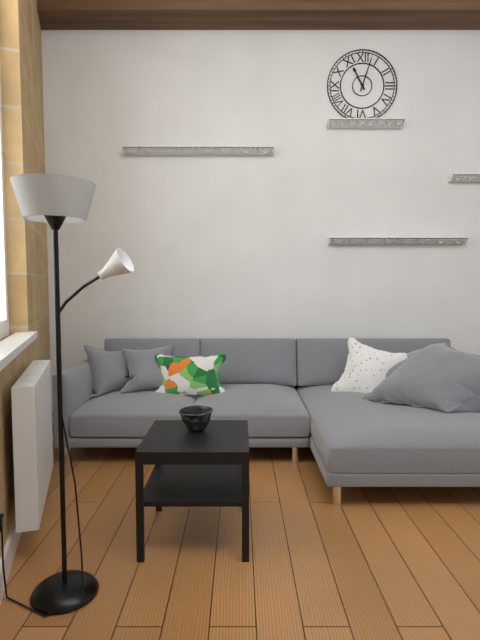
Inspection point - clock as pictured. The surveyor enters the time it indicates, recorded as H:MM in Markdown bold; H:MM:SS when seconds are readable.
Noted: **11:03**
